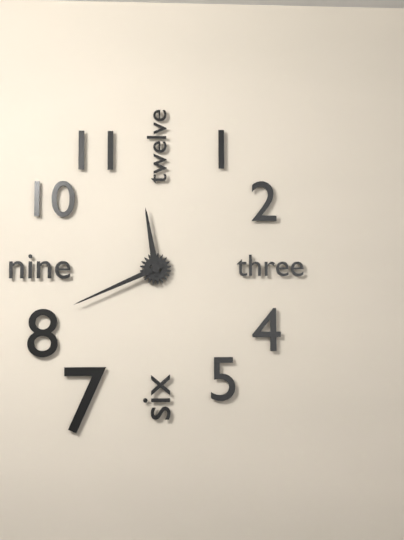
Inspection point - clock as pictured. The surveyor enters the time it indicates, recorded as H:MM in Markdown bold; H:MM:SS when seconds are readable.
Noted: **11:41**
